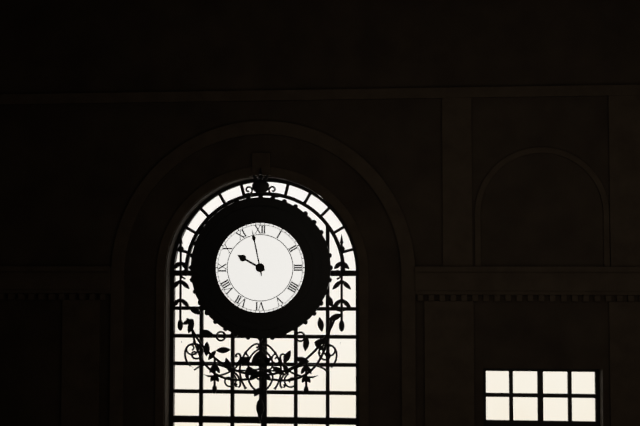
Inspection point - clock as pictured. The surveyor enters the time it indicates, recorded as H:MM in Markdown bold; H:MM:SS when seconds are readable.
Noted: **9:58**
